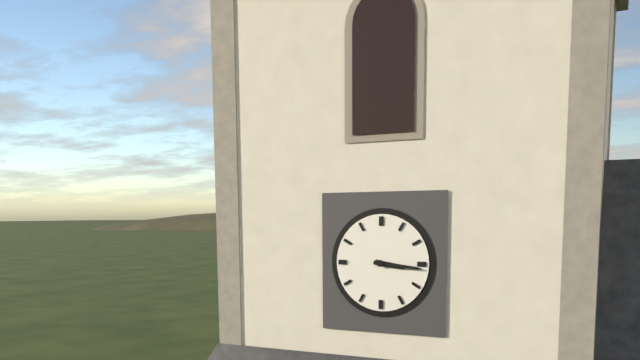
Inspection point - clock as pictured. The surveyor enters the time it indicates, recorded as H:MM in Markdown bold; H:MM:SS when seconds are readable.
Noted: **3:16**
